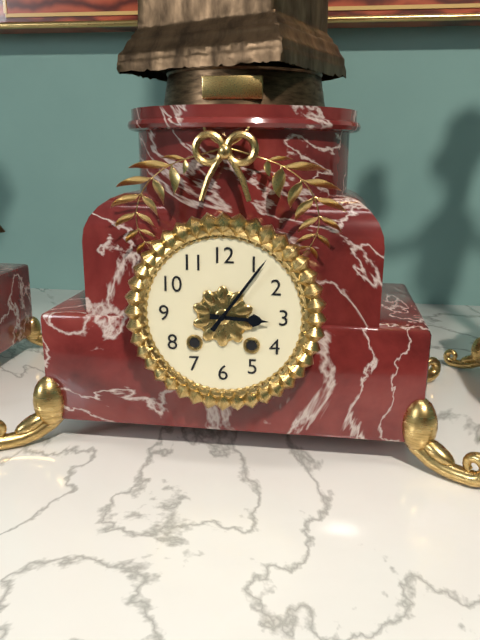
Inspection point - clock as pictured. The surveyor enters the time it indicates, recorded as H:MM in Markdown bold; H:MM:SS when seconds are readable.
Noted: **3:06**
